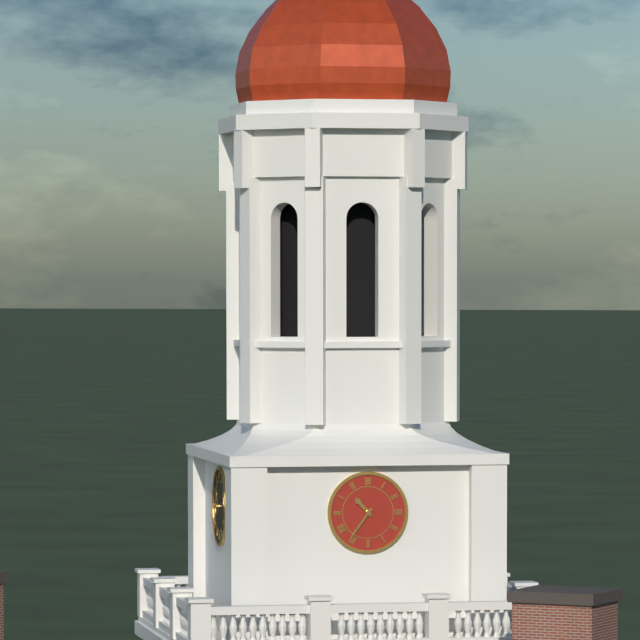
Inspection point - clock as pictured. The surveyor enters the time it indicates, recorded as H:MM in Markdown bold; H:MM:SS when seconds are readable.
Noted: **10:36**
